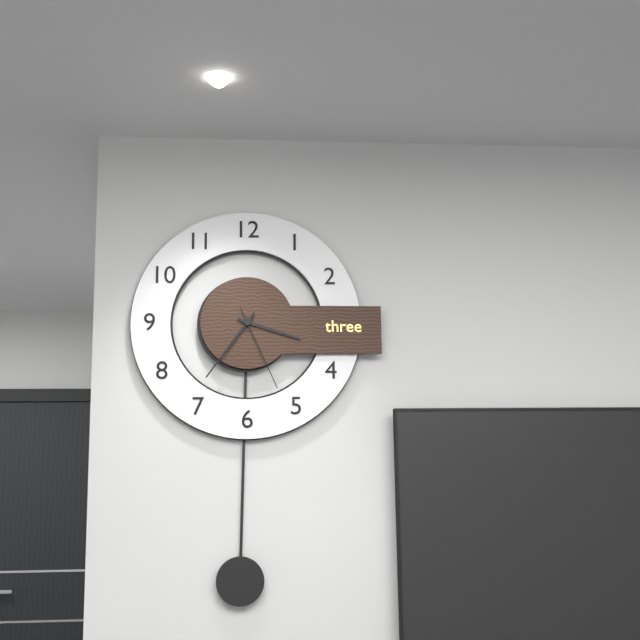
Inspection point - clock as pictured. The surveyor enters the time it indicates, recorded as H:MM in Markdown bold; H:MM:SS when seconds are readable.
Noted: **3:36:26**
